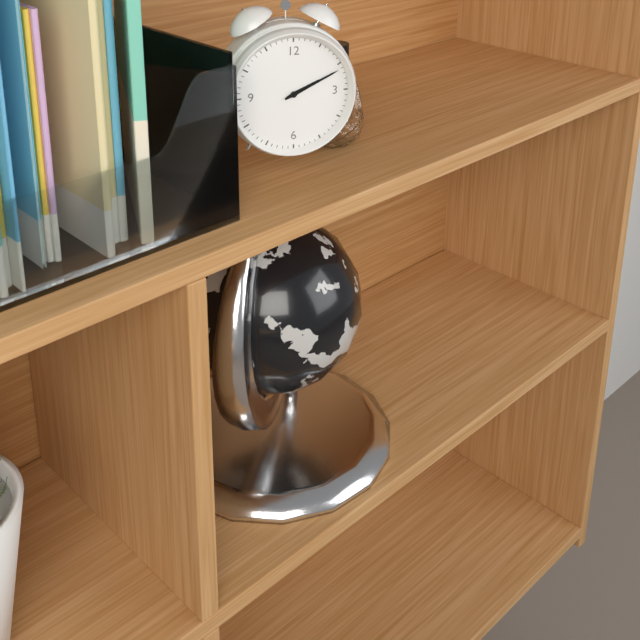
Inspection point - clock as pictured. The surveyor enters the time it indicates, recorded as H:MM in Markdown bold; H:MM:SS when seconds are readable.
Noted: **2:11**
